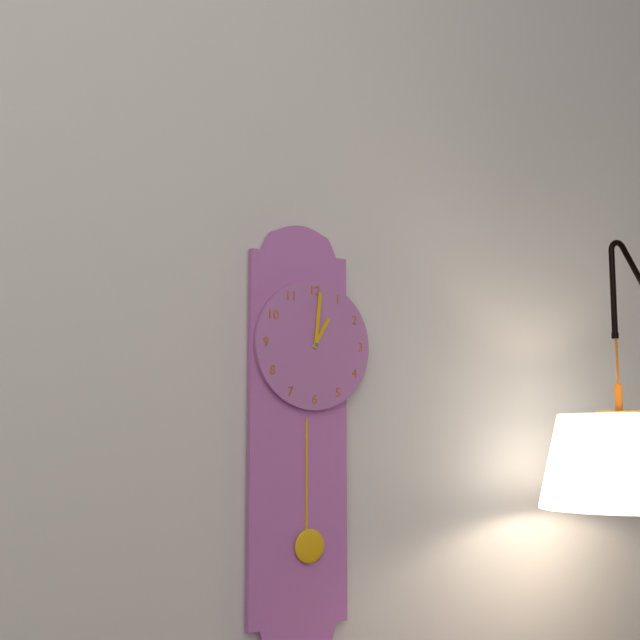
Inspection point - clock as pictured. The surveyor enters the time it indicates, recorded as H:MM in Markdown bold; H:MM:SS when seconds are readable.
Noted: **1:01**
